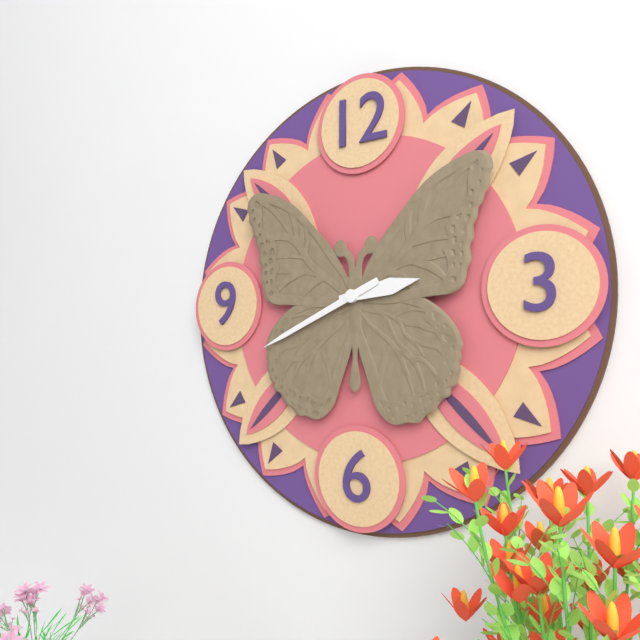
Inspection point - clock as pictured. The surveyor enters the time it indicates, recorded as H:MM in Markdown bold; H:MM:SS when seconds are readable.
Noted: **2:41**
